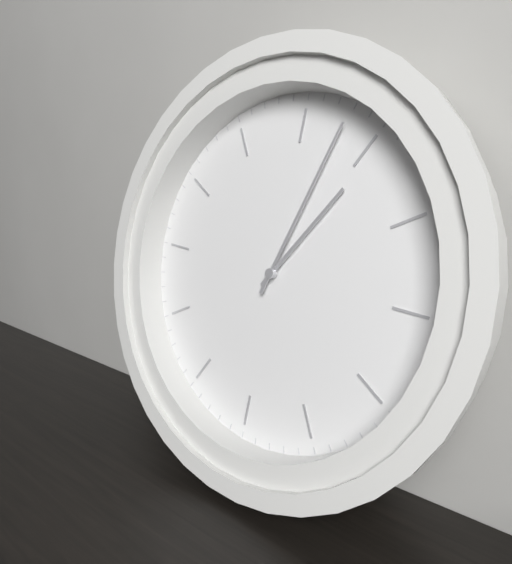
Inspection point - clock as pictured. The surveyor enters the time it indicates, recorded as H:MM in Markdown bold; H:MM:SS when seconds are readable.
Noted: **2:08**
